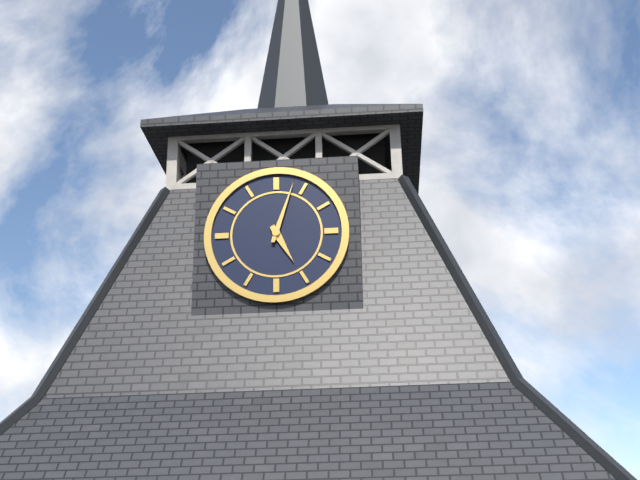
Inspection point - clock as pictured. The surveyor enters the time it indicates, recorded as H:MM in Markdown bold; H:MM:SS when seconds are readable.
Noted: **5:03**
